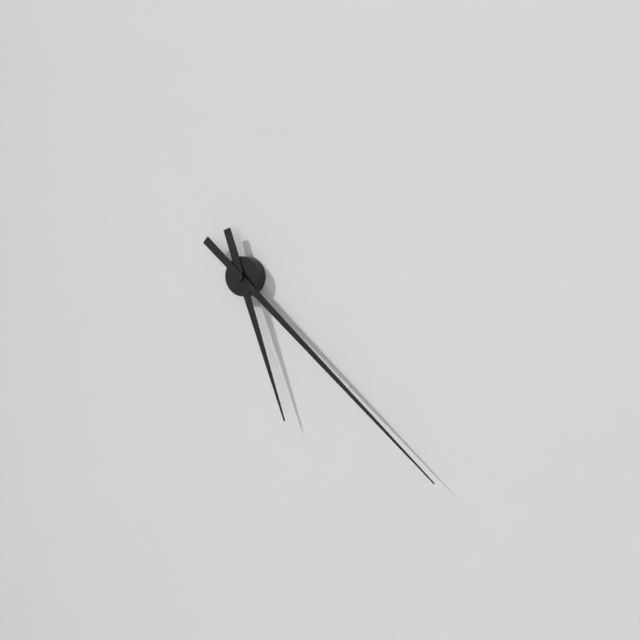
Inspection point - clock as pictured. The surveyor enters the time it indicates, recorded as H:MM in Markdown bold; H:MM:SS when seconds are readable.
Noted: **5:22**
